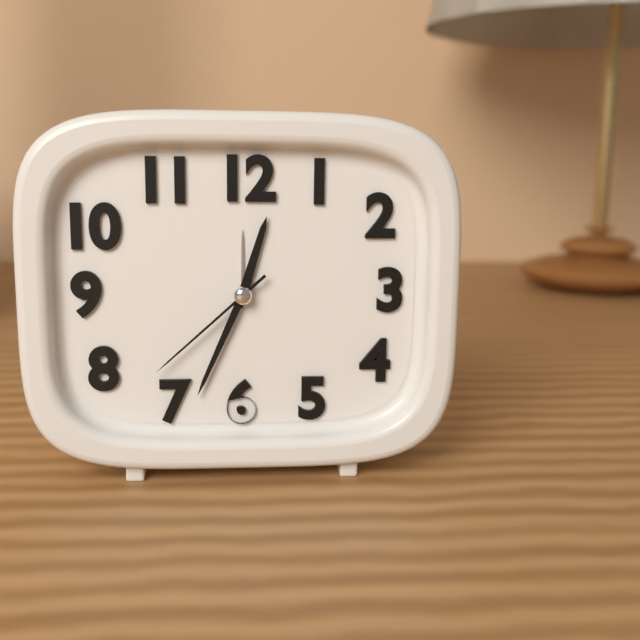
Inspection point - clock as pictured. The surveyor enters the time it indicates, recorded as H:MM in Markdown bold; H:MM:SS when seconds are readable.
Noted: **12:34:38**
